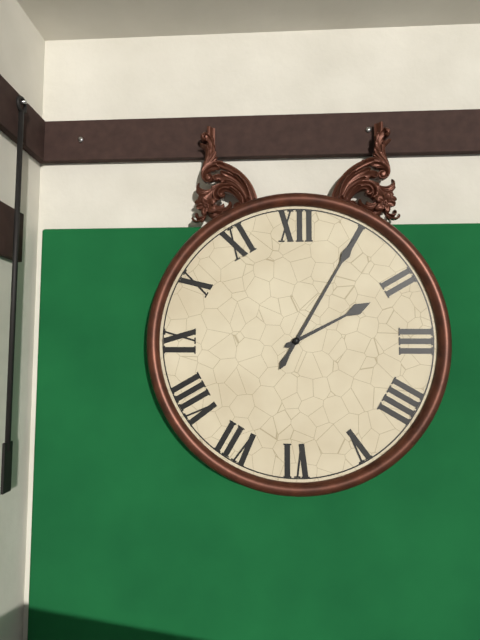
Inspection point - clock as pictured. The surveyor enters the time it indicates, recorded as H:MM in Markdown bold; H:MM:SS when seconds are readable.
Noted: **2:05**
